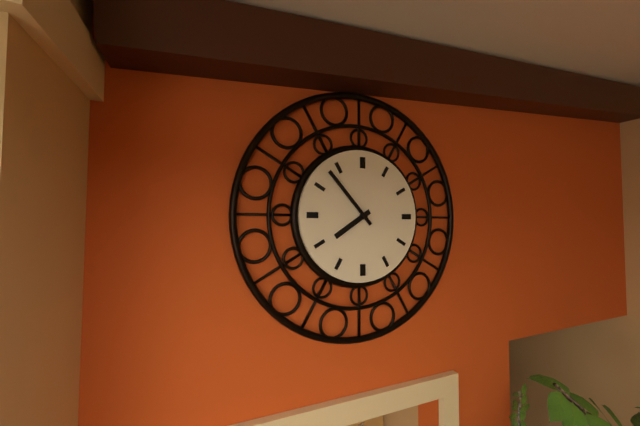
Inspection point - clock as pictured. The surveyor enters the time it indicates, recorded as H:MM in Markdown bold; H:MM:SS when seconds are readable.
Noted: **7:53**
